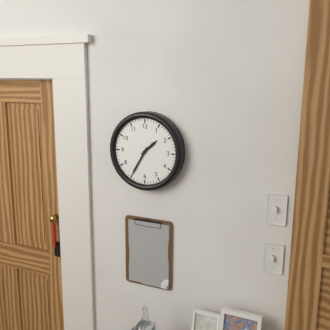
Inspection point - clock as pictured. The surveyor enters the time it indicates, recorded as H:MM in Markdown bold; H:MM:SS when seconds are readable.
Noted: **1:35**
